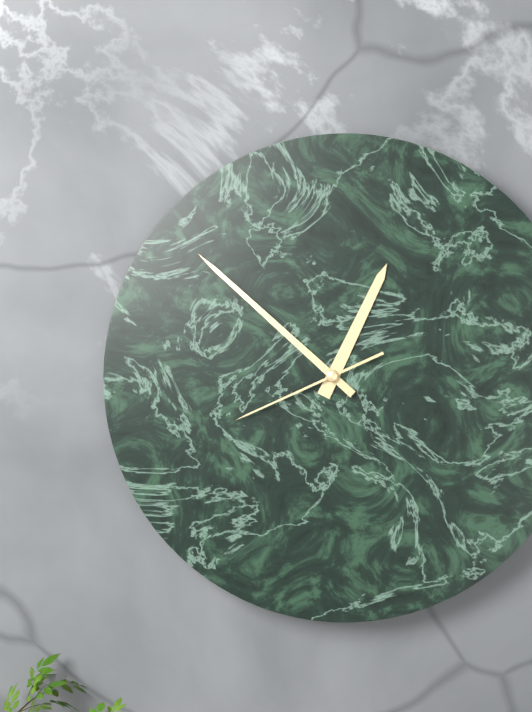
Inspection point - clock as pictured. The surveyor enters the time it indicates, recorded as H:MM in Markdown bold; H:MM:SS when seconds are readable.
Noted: **12:52:41**
